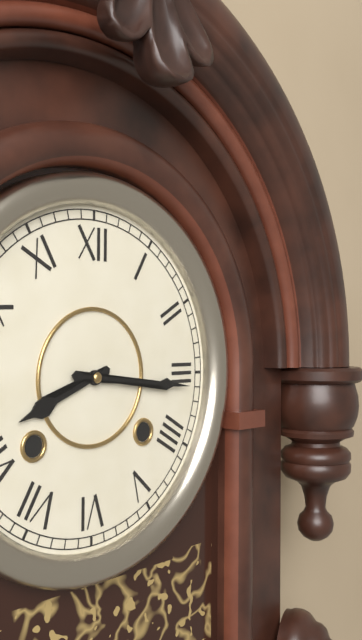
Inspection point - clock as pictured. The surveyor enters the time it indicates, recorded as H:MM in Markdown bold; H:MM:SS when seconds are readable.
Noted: **8:16**
